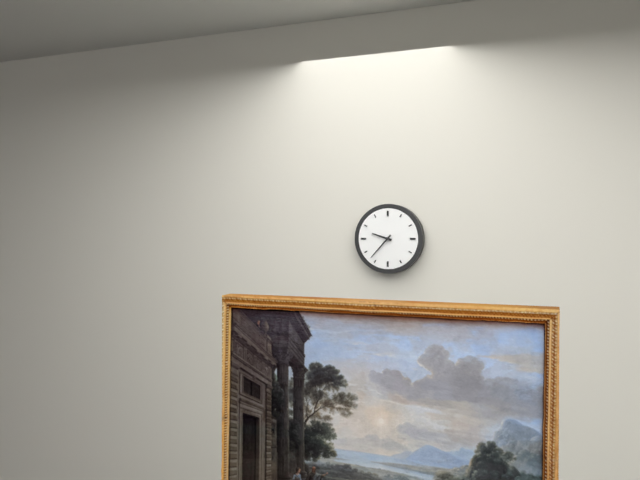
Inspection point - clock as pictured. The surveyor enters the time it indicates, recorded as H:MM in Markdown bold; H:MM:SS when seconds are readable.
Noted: **9:37**
